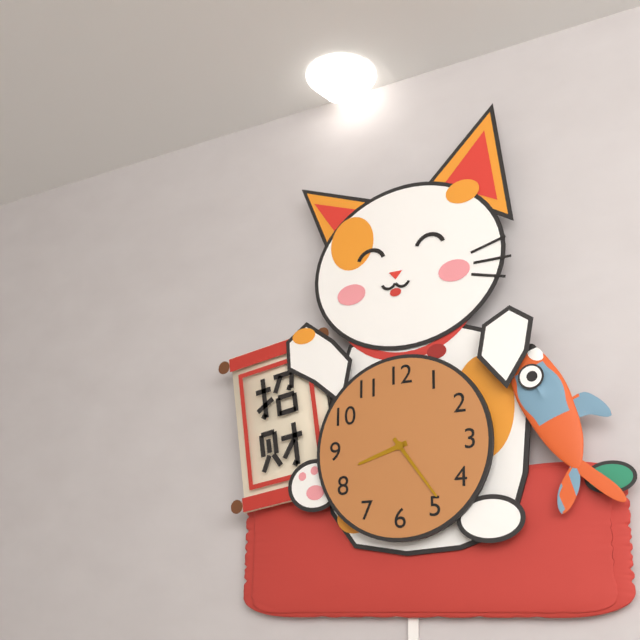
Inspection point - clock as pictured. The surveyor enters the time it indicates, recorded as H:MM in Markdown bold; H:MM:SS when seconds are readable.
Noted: **8:24**
